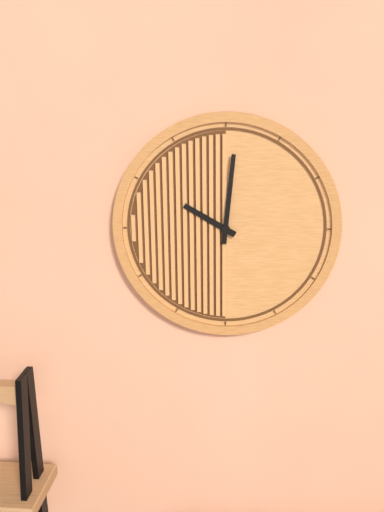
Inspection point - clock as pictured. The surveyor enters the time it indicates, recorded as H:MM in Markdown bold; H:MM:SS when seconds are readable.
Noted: **10:01**
